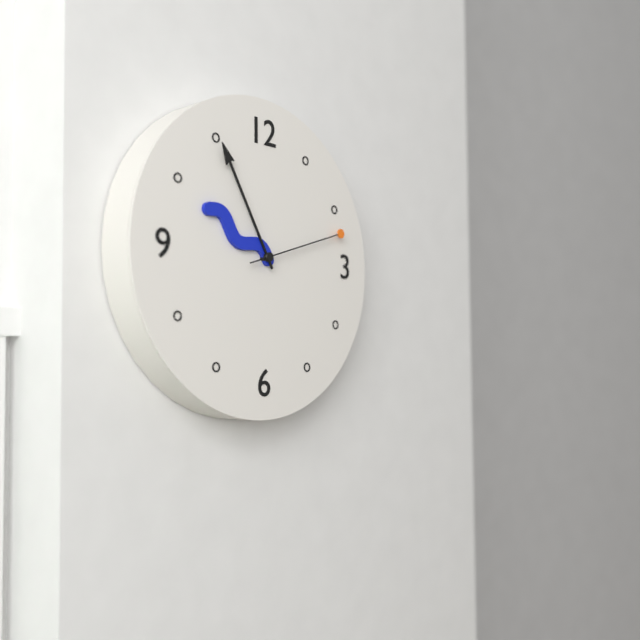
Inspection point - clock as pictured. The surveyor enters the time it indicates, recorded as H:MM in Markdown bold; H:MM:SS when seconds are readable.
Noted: **9:55:12**
